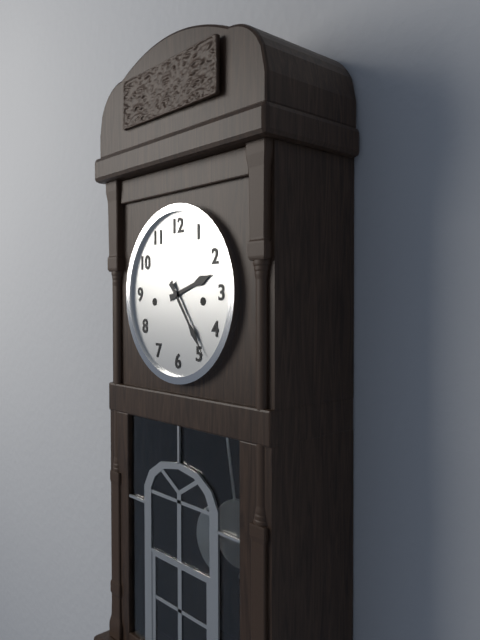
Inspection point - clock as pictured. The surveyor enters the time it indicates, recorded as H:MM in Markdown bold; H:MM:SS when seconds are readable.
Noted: **2:24**
